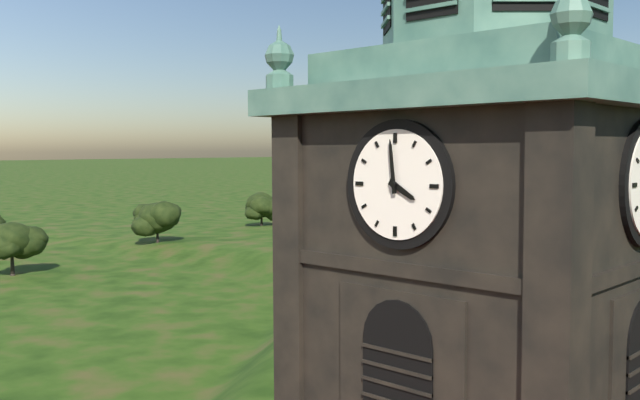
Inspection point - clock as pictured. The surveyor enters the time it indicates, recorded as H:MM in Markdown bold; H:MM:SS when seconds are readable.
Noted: **3:59**
